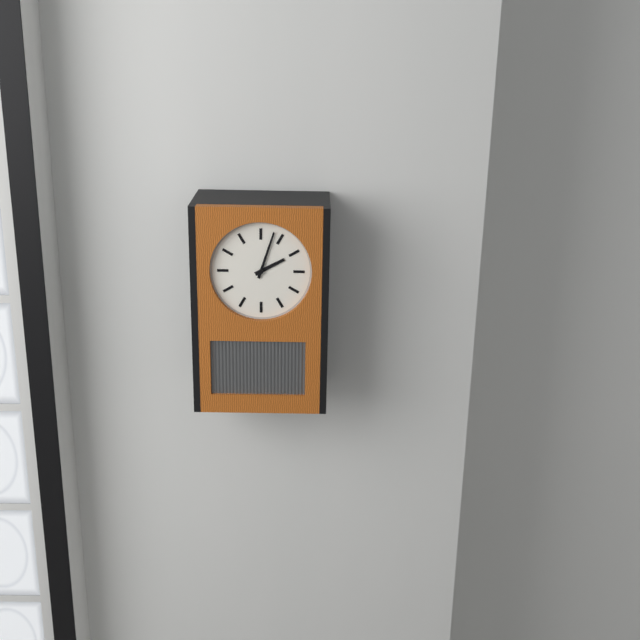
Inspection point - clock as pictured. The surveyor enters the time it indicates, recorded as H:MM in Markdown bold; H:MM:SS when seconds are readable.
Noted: **2:03**
